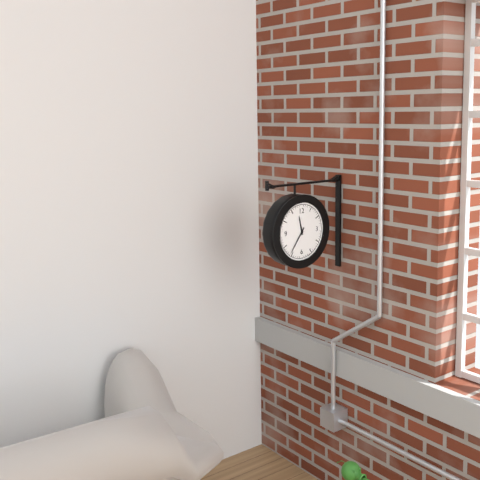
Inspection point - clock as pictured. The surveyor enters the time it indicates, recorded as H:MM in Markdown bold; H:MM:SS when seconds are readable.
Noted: **11:36**
